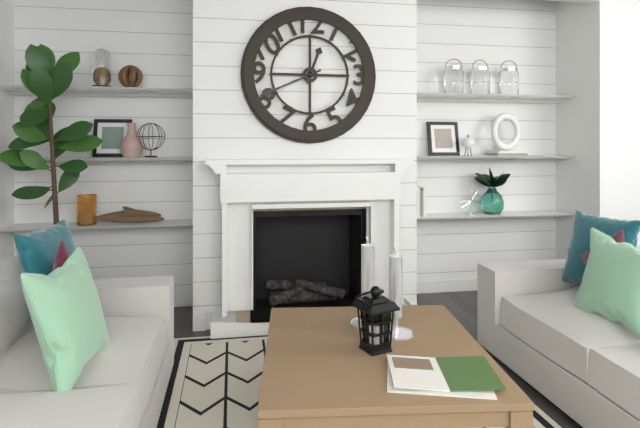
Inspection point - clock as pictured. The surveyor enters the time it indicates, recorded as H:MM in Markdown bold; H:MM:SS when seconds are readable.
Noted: **12:41**
